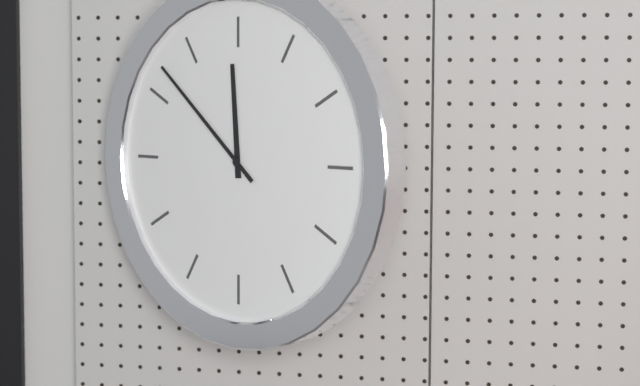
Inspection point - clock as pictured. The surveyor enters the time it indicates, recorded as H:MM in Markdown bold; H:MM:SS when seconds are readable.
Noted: **11:52**
